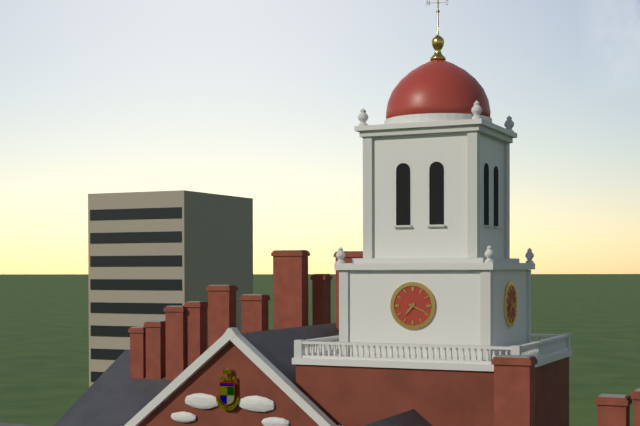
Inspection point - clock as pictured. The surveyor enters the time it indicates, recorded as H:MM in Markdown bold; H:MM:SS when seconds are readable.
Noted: **7:19**
